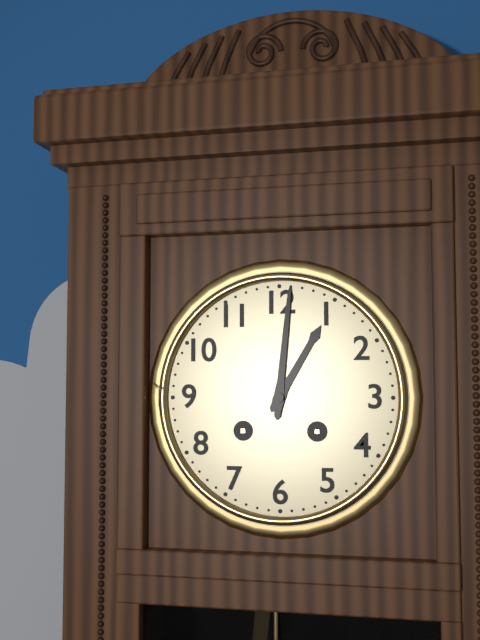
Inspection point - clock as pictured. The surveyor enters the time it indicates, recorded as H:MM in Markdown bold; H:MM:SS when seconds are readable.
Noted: **1:01**
